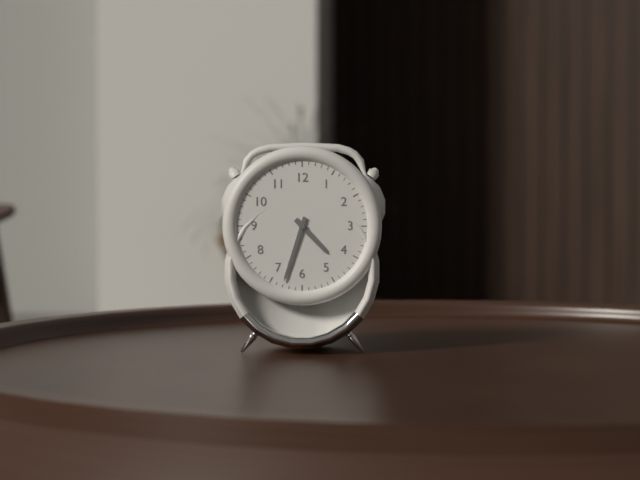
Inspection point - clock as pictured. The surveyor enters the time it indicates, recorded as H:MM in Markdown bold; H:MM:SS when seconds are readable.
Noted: **4:33**
